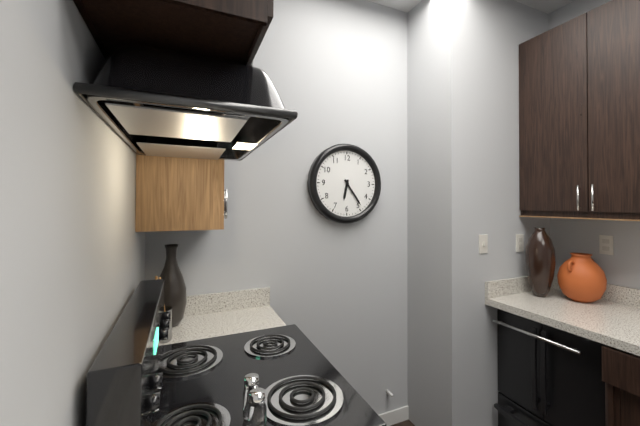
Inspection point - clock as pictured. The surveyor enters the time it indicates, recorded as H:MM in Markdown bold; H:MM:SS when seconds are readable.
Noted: **6:24**
